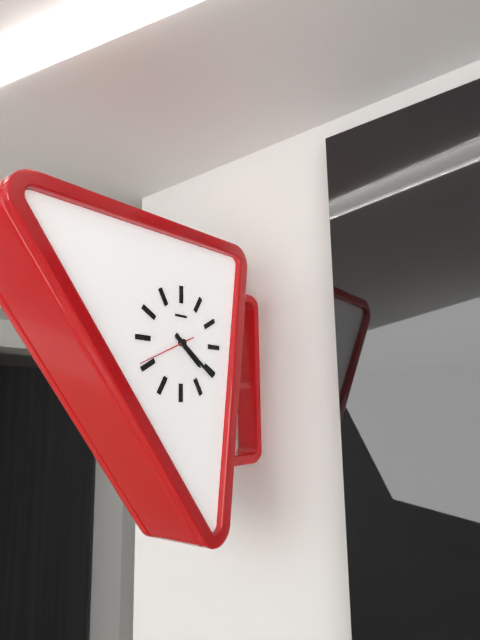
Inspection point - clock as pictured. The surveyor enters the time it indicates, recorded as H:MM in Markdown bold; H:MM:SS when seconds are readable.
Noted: **4:21:41**
